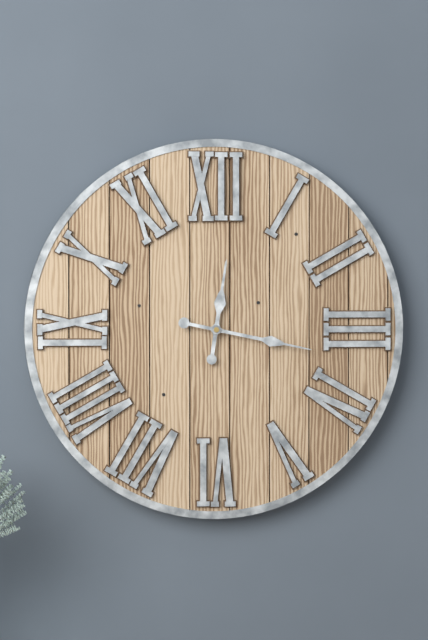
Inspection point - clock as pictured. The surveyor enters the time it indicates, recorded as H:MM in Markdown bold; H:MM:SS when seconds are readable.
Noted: **12:17**
